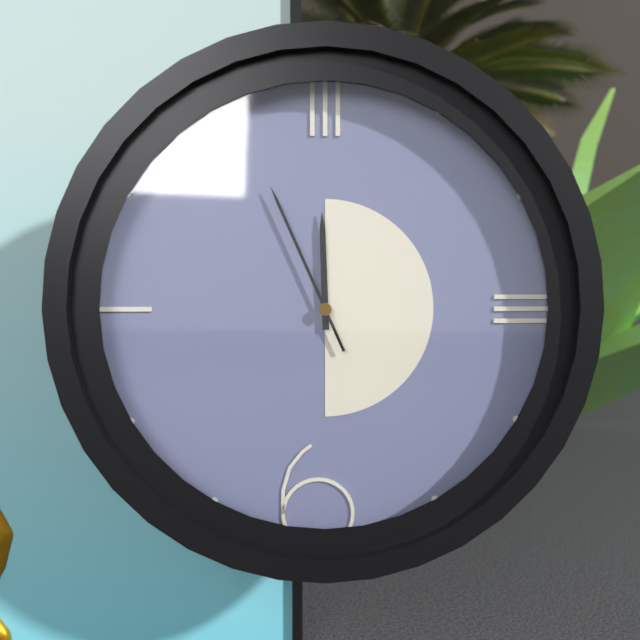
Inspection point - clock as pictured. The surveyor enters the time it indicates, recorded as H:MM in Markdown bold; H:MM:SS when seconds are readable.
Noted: **11:56**
